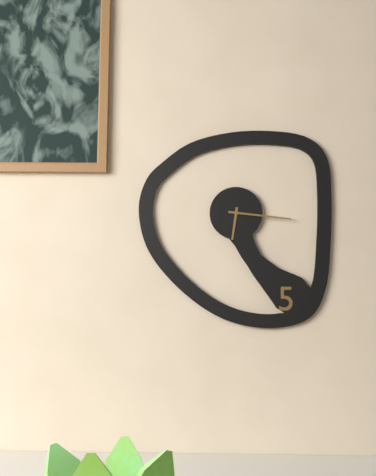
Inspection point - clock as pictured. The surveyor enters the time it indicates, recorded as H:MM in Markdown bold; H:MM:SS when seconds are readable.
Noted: **6:16**
